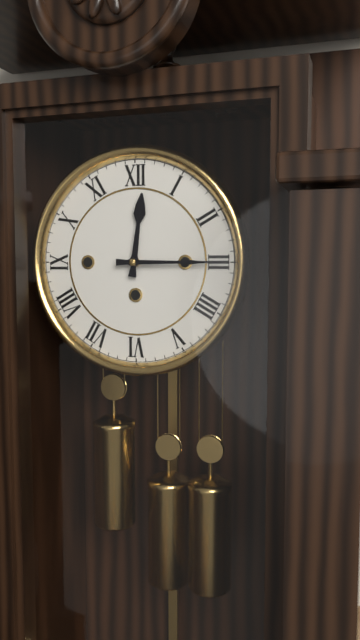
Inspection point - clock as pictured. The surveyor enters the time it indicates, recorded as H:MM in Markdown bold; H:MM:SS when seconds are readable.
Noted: **12:15**
